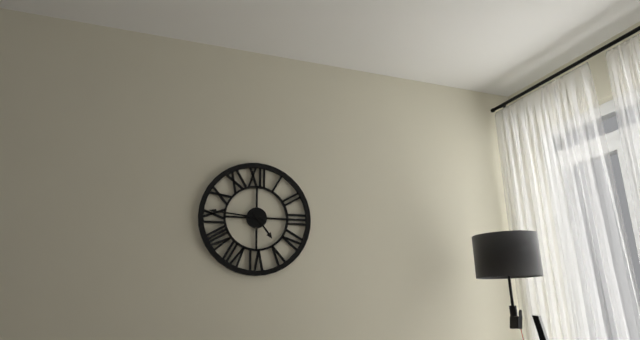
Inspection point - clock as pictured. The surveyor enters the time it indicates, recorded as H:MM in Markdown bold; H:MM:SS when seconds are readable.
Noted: **4:46**
